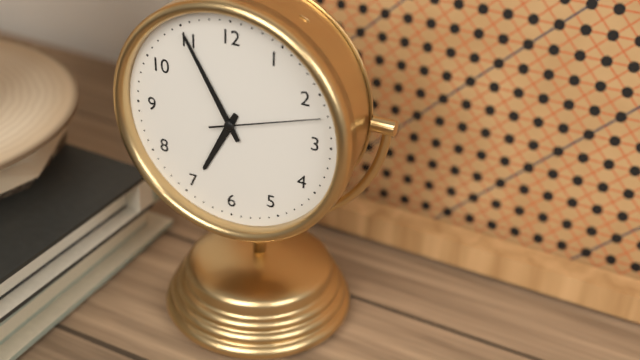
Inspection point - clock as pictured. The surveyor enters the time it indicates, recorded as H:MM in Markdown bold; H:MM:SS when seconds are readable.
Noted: **6:55:12**
